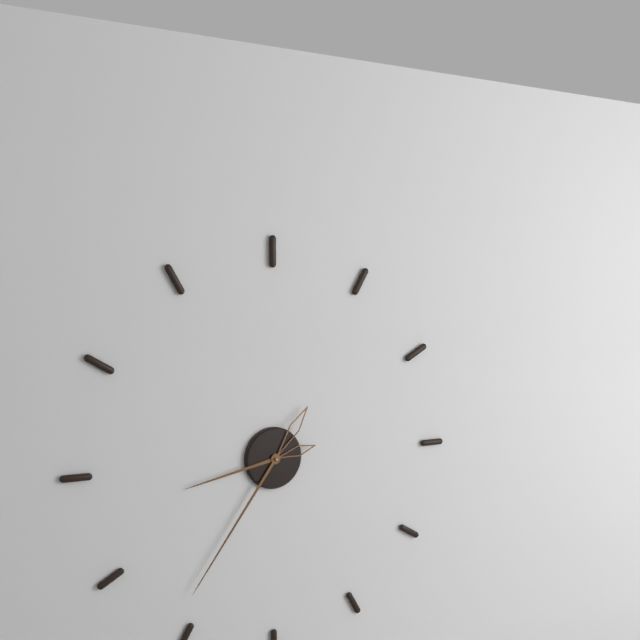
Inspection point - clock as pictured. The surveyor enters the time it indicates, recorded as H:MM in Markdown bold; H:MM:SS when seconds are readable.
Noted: **8:36**
